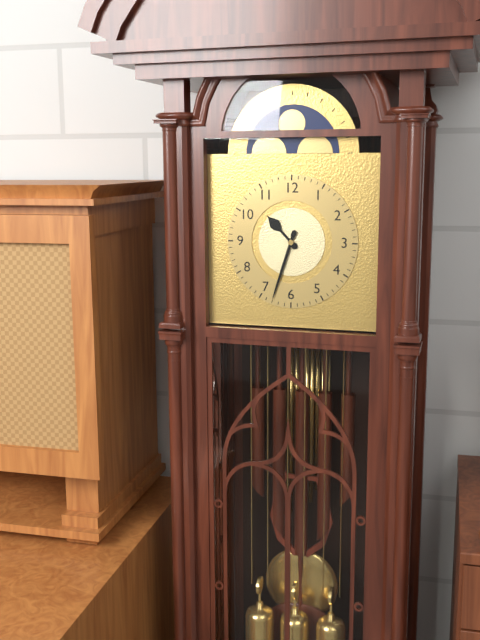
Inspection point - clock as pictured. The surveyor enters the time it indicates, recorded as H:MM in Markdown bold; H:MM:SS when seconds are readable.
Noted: **10:33**
